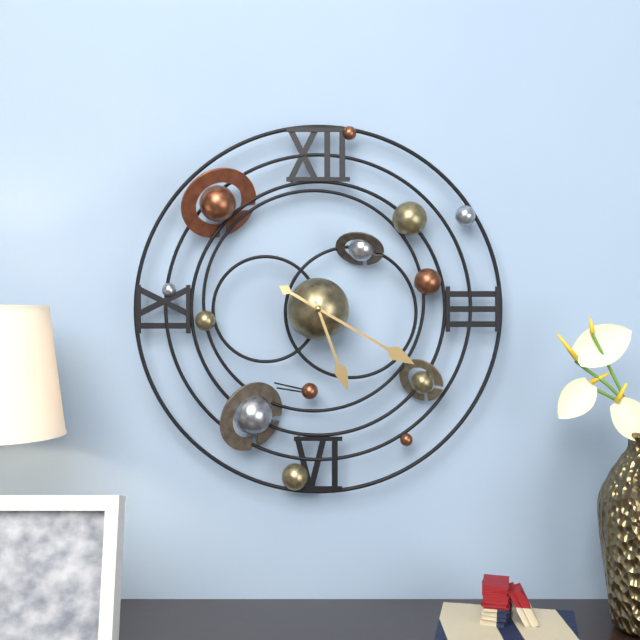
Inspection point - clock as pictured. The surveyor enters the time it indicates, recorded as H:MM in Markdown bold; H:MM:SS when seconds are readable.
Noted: **5:20**
